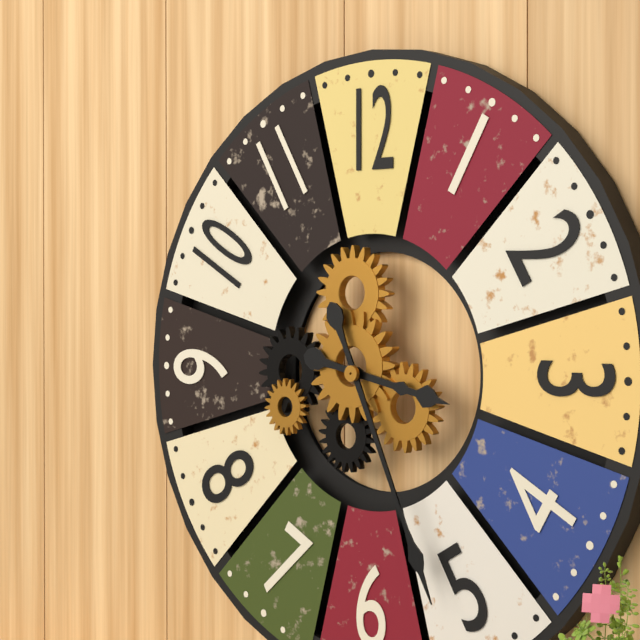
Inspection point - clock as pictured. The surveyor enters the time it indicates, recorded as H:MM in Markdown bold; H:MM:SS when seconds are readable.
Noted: **3:26**
